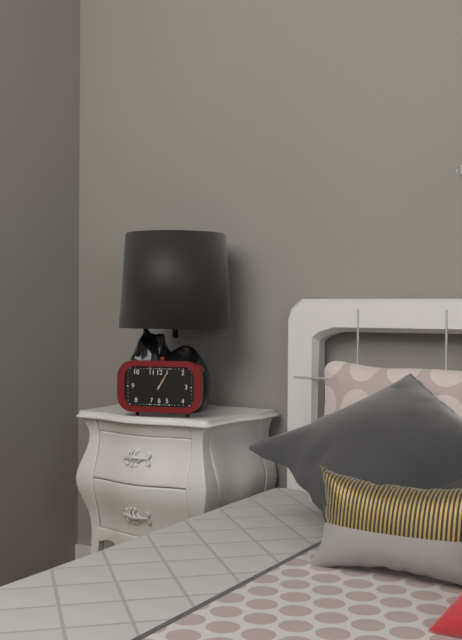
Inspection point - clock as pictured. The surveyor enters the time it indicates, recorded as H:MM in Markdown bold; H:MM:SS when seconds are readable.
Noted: **1:05**
